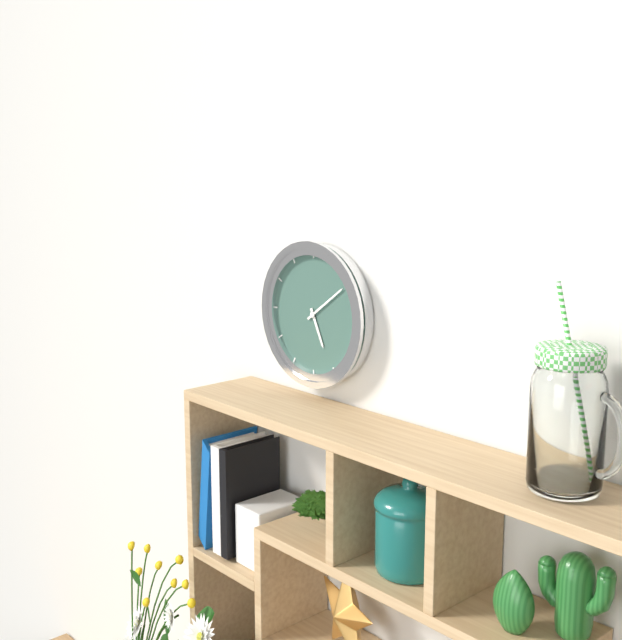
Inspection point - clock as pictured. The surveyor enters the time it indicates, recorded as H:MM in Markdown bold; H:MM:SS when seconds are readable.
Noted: **5:09**
